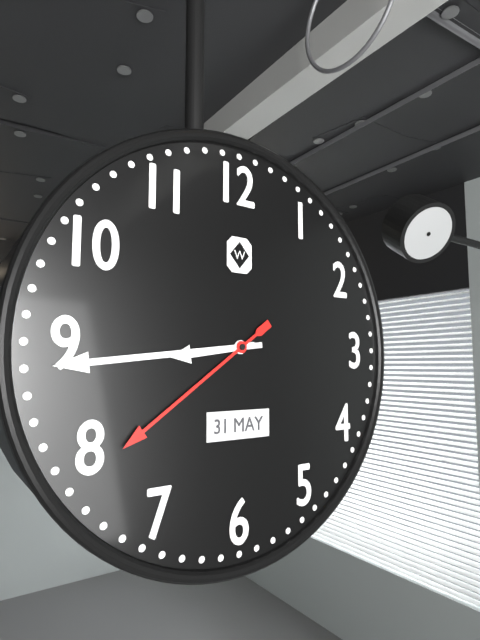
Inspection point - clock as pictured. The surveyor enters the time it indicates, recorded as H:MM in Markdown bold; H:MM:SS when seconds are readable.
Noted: **8:44:39**
